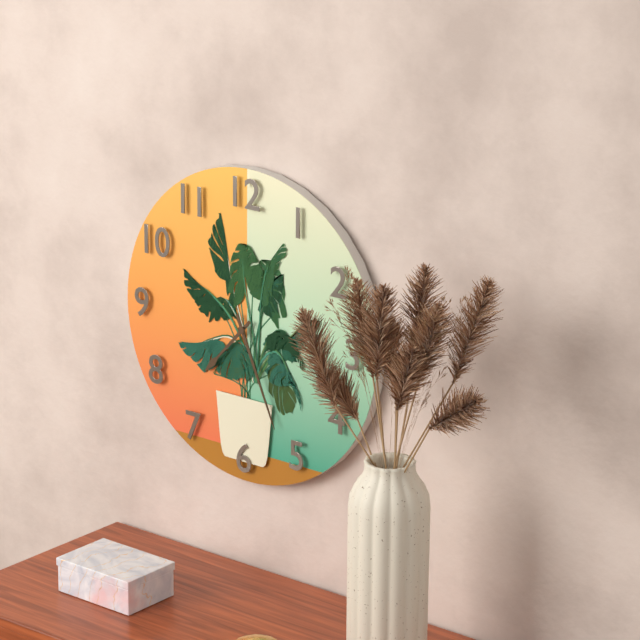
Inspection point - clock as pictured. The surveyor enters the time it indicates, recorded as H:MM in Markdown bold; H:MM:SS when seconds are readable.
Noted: **7:26**
